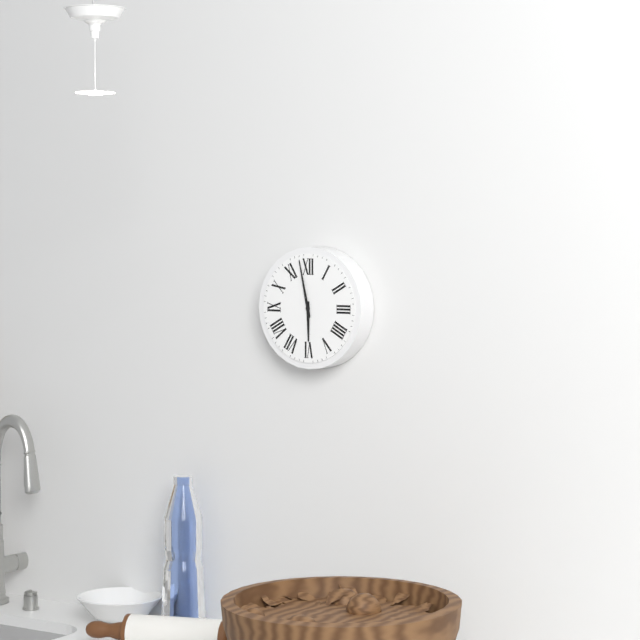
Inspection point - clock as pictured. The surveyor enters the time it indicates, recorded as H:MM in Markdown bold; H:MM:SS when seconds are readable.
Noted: **5:58**
